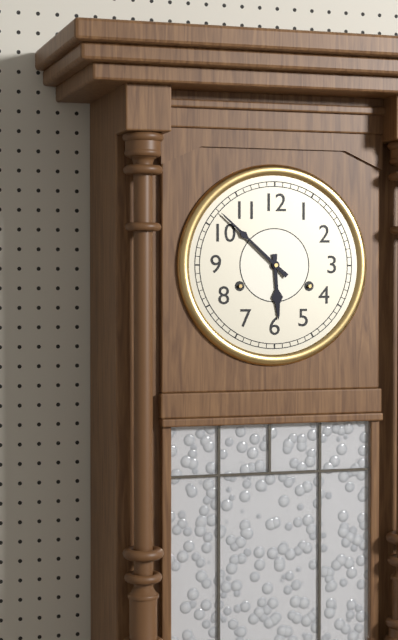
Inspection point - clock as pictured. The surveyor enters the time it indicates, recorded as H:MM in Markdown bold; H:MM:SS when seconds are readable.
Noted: **5:52**
